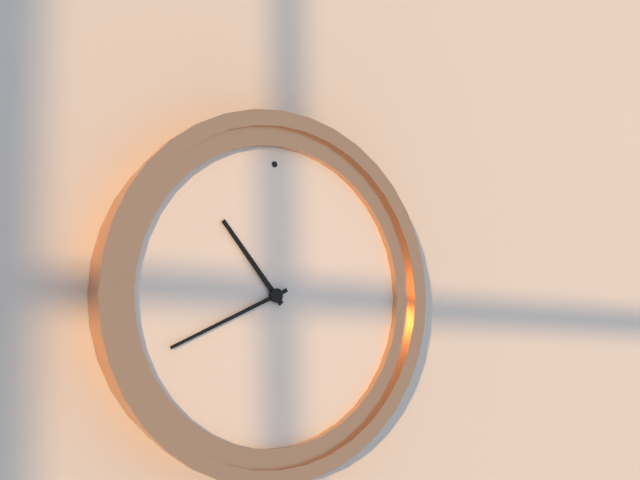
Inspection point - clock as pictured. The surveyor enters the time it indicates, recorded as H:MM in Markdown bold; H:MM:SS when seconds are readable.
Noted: **10:41**
